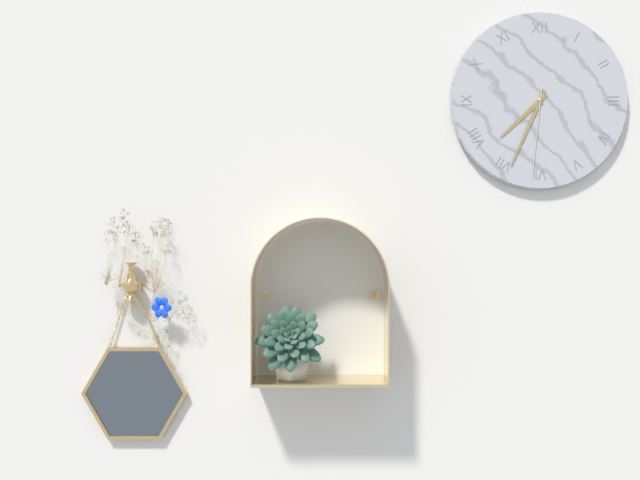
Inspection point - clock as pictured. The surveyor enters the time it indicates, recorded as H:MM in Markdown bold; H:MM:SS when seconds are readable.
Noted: **7:34:31**
